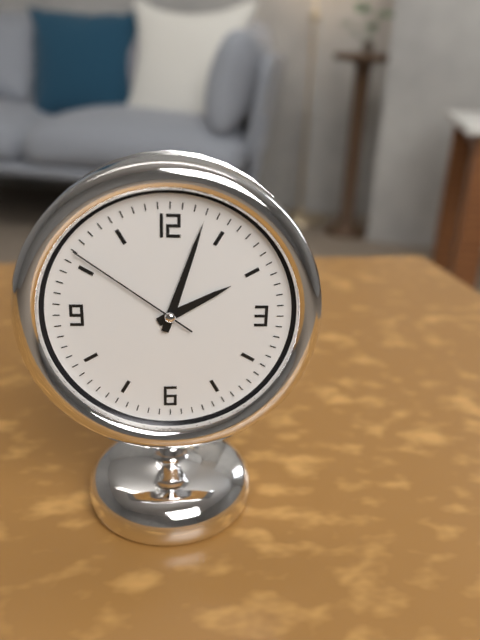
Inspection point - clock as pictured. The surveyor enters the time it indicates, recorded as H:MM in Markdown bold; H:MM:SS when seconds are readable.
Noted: **2:03:51**
